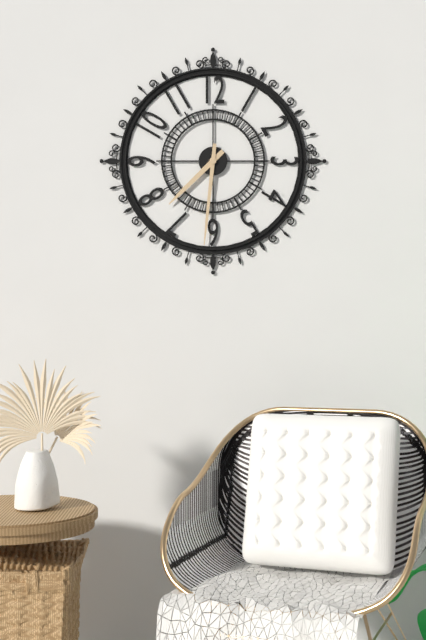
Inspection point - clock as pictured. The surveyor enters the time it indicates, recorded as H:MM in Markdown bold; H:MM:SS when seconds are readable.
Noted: **7:31**
